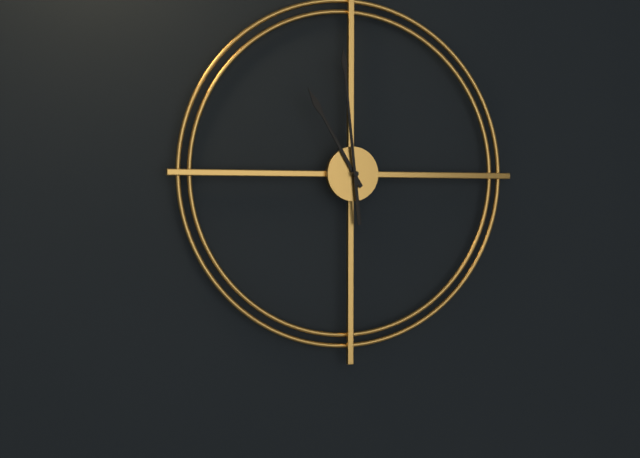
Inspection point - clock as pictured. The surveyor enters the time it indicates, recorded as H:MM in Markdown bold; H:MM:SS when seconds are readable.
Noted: **10:59**
